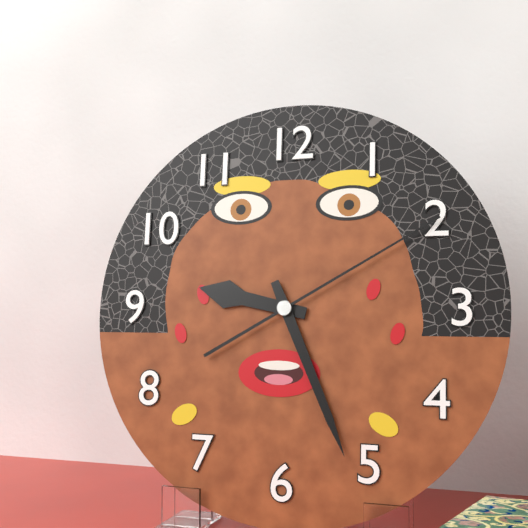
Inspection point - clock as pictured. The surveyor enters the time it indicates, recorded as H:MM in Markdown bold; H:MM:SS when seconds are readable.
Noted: **9:26:10**
